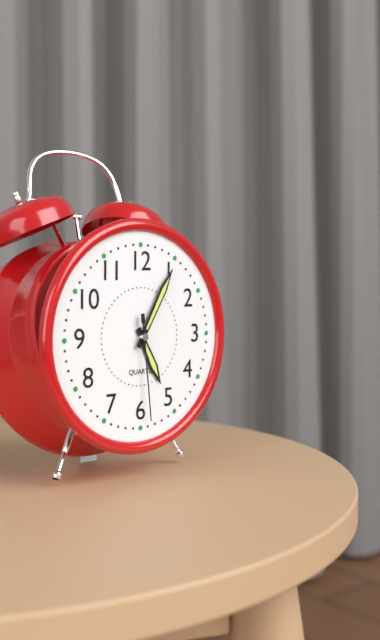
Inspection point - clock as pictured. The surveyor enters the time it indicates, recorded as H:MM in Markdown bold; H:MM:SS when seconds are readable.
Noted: **5:05:29**
